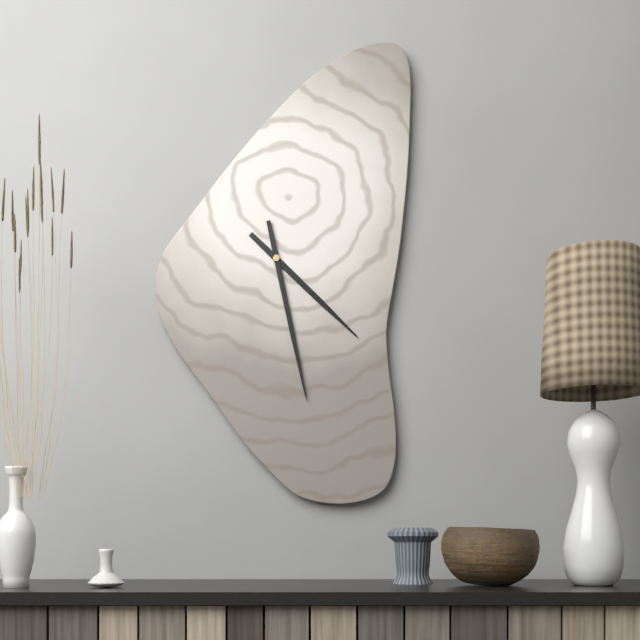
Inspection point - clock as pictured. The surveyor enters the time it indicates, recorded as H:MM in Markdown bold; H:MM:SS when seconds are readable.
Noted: **4:28**
